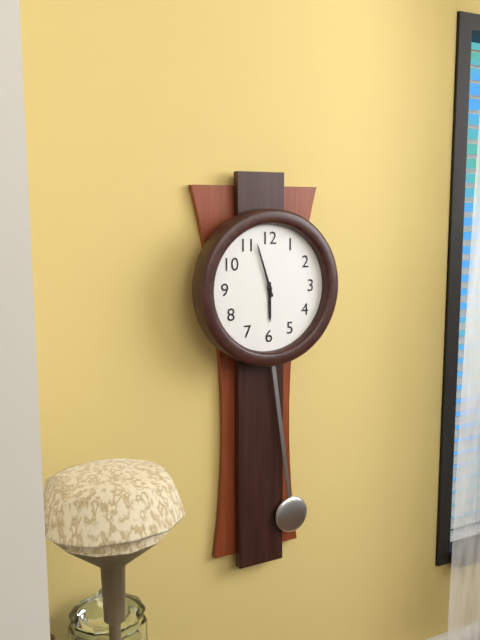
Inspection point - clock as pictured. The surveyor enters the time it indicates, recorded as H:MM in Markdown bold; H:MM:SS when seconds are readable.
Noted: **5:57**
